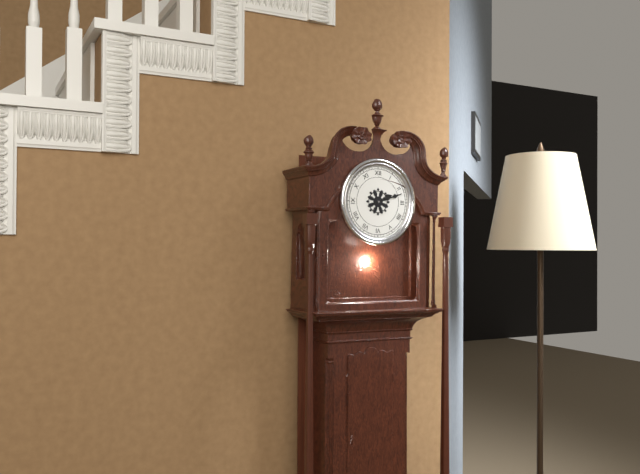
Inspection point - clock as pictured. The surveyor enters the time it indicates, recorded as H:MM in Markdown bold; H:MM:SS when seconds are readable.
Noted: **2:12**
